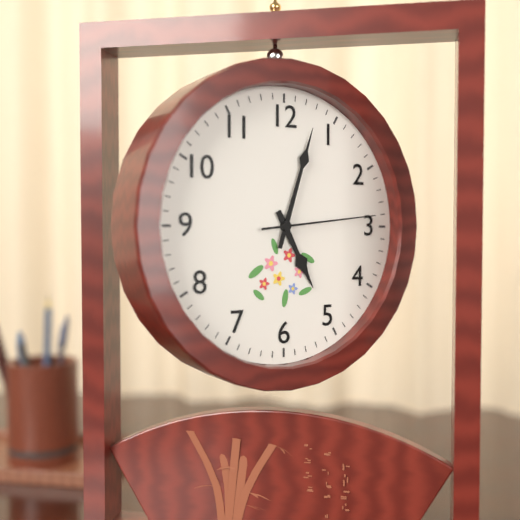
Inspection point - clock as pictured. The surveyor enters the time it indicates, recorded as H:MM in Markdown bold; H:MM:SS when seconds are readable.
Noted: **5:03:14**
